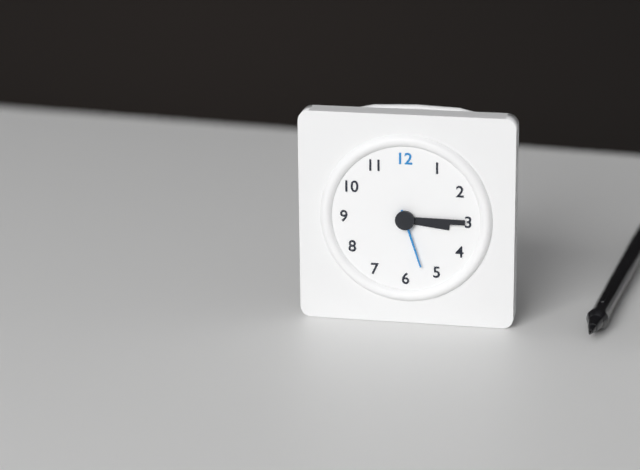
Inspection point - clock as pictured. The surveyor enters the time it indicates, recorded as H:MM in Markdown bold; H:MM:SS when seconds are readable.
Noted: **3:15:27**
